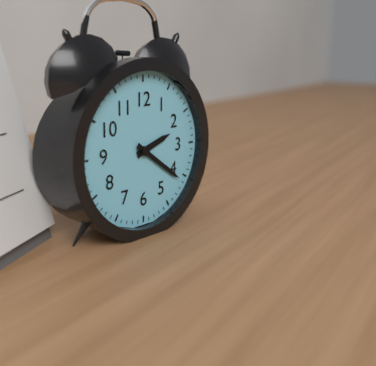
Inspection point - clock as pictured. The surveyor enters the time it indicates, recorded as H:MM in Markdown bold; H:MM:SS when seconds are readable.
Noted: **2:21**
